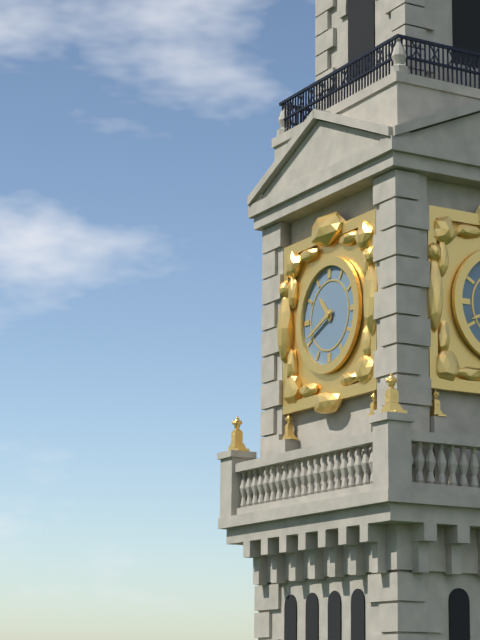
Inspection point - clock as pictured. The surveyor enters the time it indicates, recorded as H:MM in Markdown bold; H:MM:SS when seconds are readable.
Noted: **10:41**
